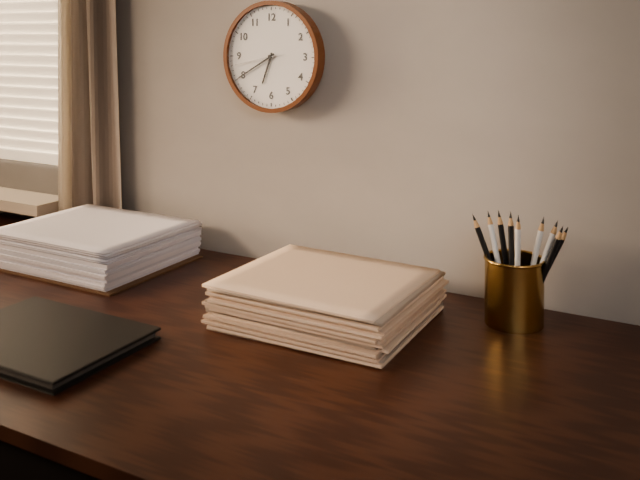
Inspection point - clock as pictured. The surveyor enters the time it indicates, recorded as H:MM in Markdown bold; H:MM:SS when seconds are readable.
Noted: **6:40:43**
